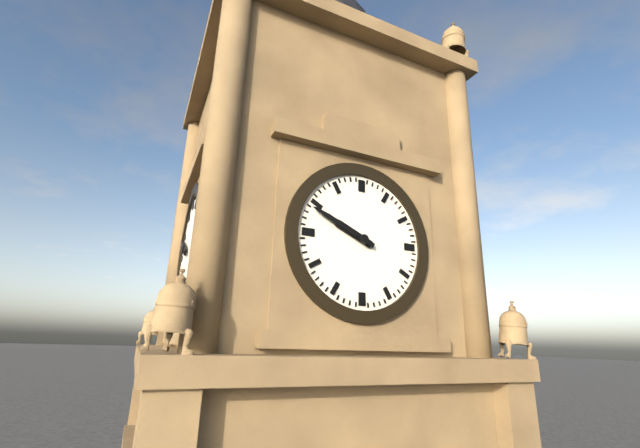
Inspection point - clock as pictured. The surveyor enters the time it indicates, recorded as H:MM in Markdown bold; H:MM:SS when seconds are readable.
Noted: **9:49**
